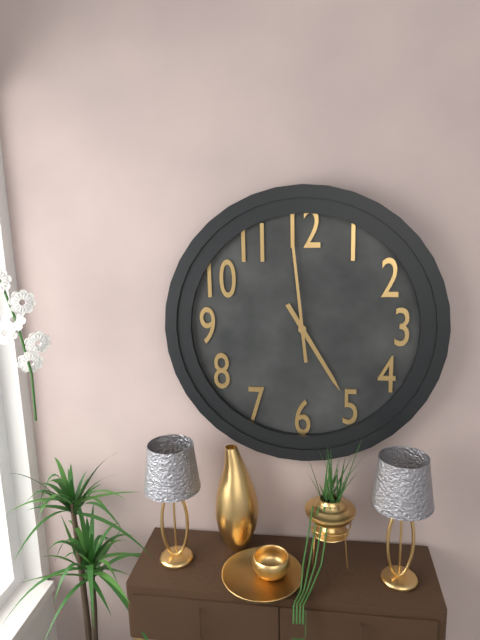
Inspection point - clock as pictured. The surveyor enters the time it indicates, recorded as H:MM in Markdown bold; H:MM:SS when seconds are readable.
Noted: **4:59**
